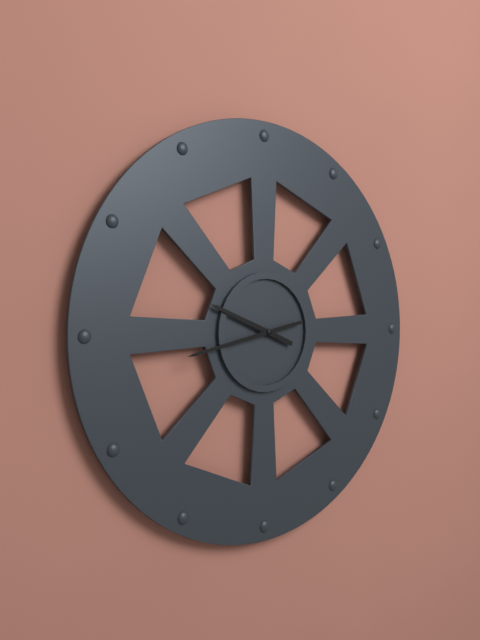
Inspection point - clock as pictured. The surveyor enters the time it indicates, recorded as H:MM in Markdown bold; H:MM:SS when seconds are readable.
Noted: **9:43**
